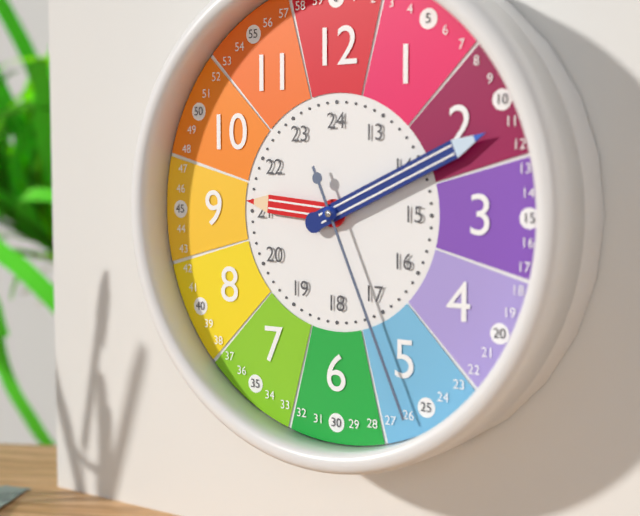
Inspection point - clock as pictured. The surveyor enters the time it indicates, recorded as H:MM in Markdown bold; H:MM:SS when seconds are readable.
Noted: **9:11:26**
